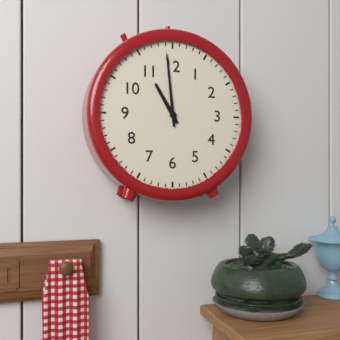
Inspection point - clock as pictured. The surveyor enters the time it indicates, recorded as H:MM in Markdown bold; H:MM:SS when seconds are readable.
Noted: **10:59**
